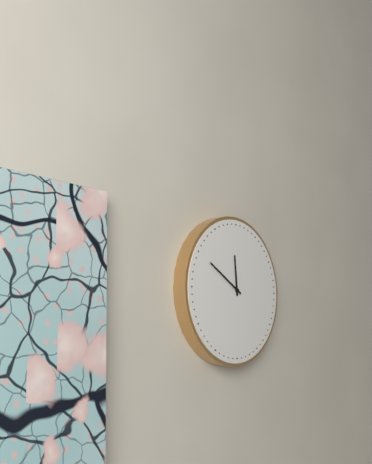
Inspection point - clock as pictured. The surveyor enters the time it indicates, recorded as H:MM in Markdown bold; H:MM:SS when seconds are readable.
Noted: **11:50**
